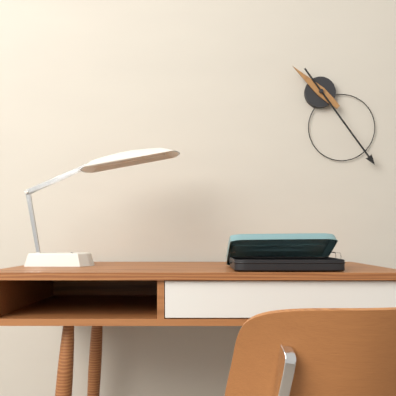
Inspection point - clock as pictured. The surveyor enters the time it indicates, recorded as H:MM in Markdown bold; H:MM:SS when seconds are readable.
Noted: **10:24**
